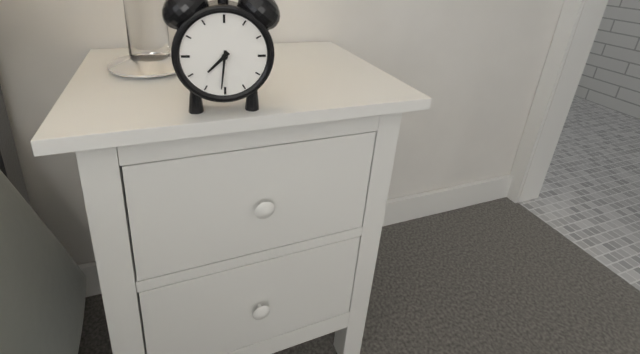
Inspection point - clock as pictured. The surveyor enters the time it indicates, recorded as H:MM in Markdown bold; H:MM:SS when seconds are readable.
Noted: **7:31**
